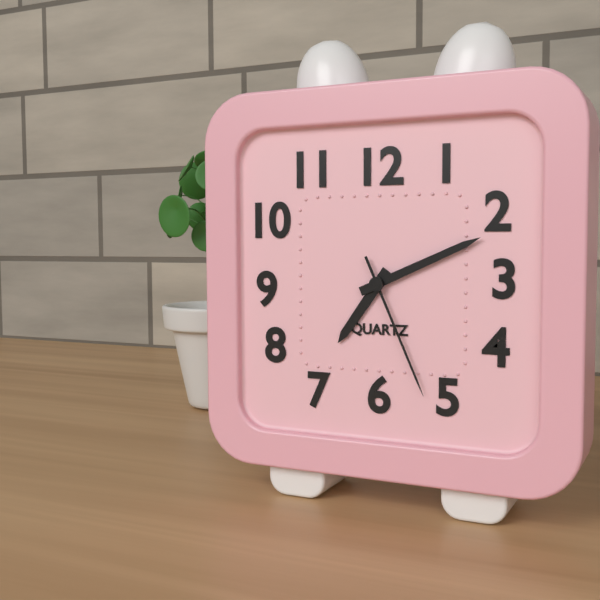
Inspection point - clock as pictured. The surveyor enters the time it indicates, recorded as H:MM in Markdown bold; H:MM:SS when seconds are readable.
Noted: **7:11:26**
